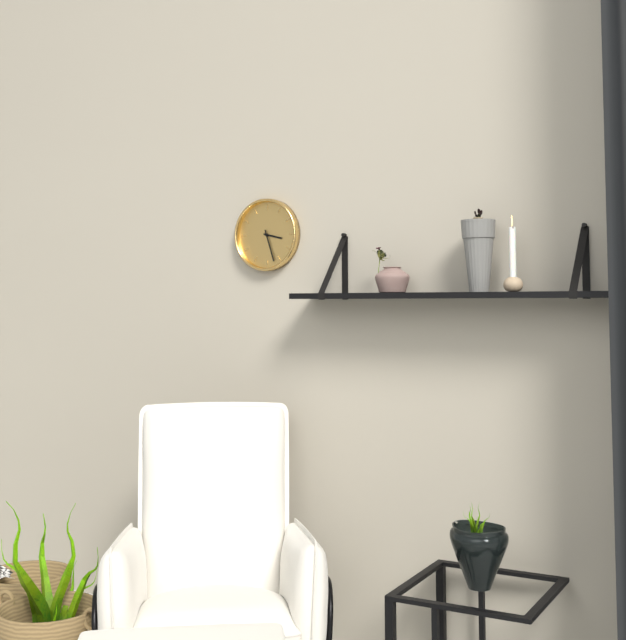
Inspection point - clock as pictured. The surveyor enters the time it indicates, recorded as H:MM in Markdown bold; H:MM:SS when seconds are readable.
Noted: **3:27**
